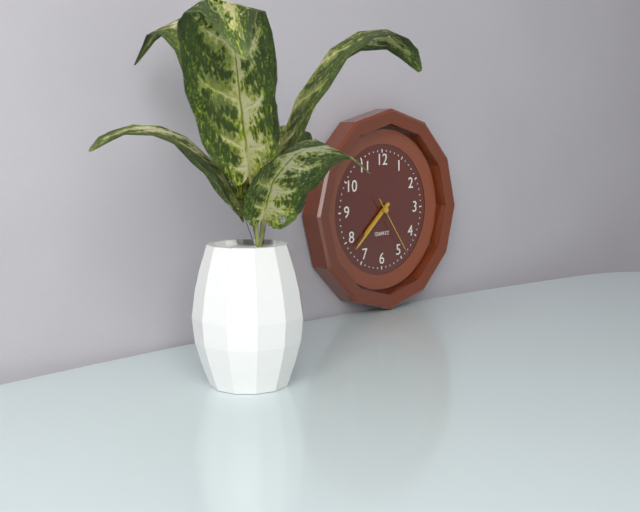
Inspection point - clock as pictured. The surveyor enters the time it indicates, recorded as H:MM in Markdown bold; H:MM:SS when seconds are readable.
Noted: **7:38:24**
